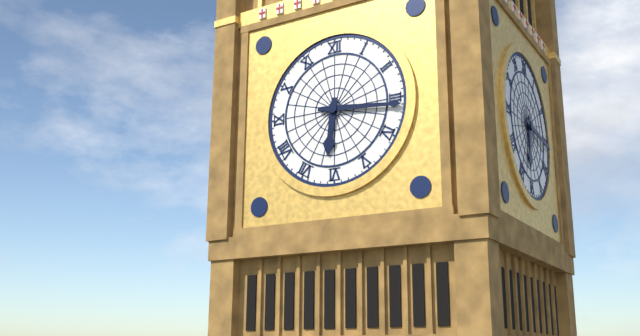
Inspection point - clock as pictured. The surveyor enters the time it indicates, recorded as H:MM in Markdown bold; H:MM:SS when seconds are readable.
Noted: **6:16**
